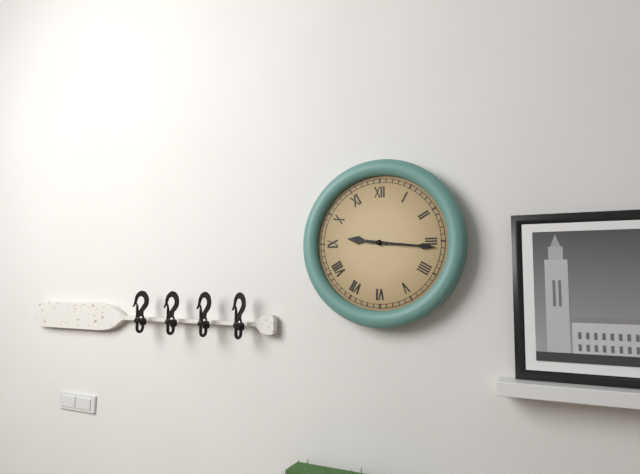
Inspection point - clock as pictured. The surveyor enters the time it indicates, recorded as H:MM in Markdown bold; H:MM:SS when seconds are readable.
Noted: **9:16**
